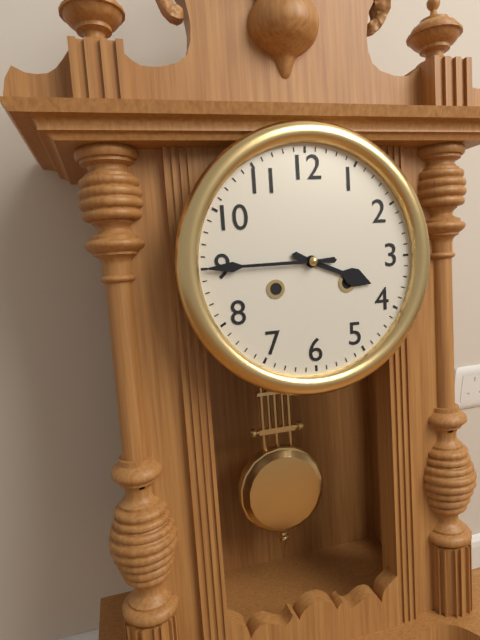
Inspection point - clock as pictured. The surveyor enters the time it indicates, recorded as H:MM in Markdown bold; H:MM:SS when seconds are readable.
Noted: **3:45**
